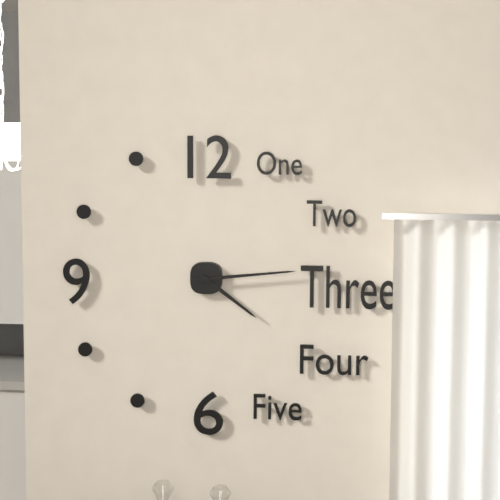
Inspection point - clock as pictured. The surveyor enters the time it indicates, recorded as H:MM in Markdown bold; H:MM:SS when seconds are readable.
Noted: **4:14**
